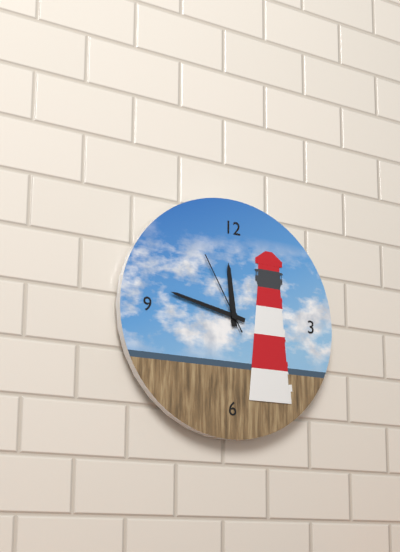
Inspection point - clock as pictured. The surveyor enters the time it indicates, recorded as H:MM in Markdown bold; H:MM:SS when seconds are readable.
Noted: **11:47:55**
